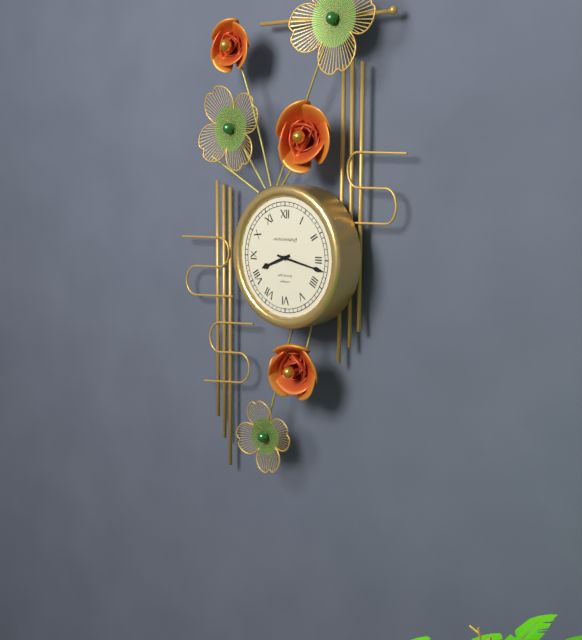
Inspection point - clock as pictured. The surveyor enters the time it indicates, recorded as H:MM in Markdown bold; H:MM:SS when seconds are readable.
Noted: **8:17**
